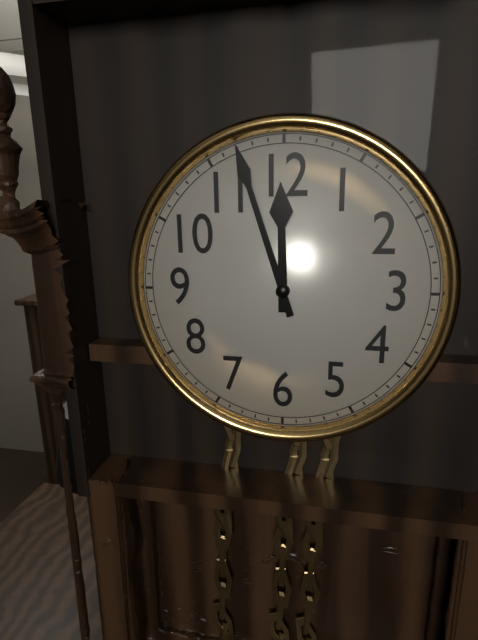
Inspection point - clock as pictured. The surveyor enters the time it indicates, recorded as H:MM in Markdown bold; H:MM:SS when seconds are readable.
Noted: **11:57**
